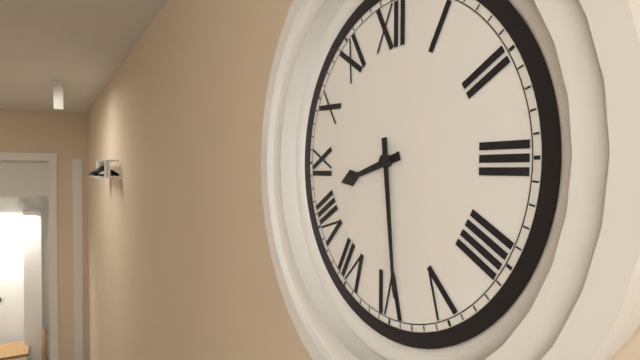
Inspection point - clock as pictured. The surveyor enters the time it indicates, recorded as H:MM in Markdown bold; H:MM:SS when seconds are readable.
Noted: **8:29**
